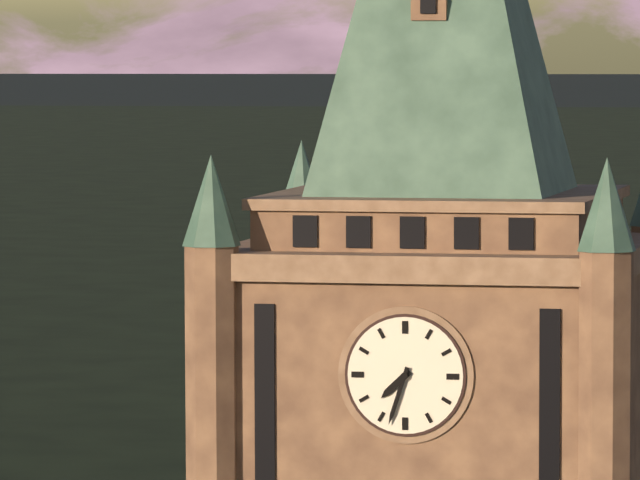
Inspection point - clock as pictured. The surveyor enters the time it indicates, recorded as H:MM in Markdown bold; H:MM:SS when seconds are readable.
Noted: **7:33**
